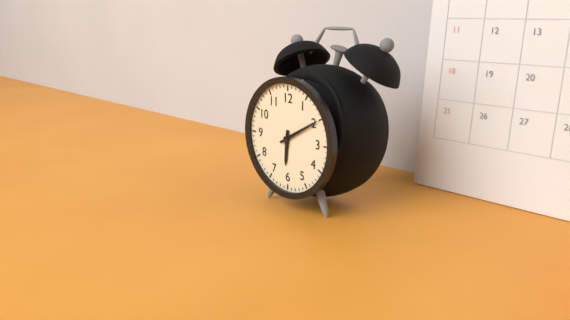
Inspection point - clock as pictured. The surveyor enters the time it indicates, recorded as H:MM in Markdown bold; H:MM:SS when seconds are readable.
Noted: **6:10**
